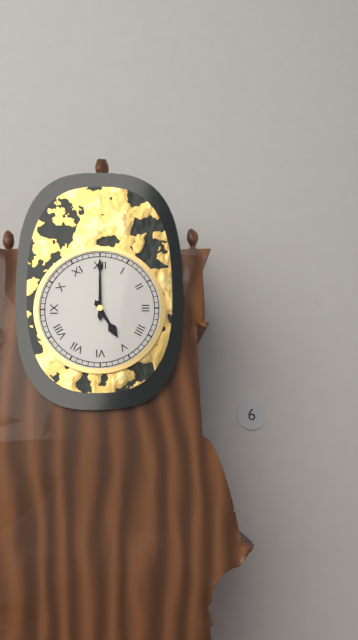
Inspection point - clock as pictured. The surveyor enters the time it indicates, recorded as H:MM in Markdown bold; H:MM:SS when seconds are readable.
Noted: **5:00**
